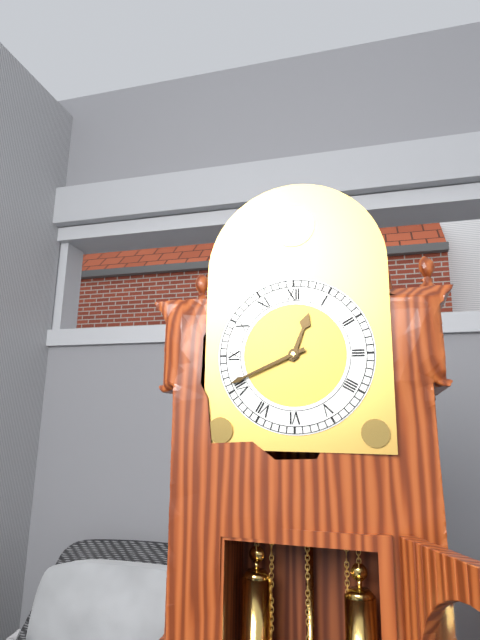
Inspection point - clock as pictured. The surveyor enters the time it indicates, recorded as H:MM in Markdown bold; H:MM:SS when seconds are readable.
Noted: **12:41**
